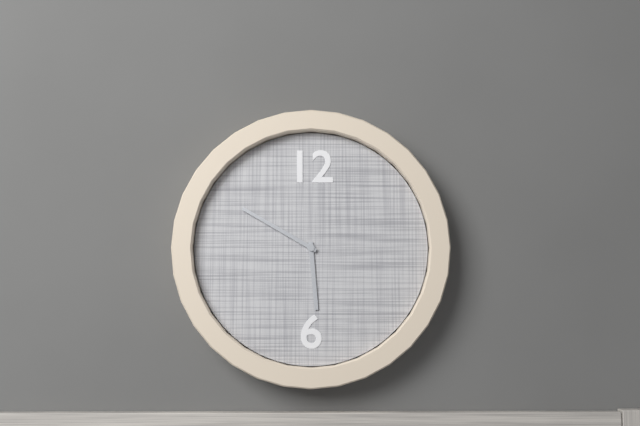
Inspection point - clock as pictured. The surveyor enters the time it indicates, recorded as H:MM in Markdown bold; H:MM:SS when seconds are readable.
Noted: **5:50**
